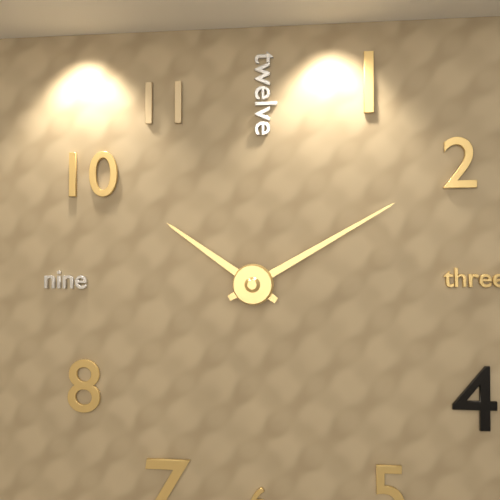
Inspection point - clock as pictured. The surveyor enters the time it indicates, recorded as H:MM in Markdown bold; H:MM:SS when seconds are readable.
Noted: **10:10**
